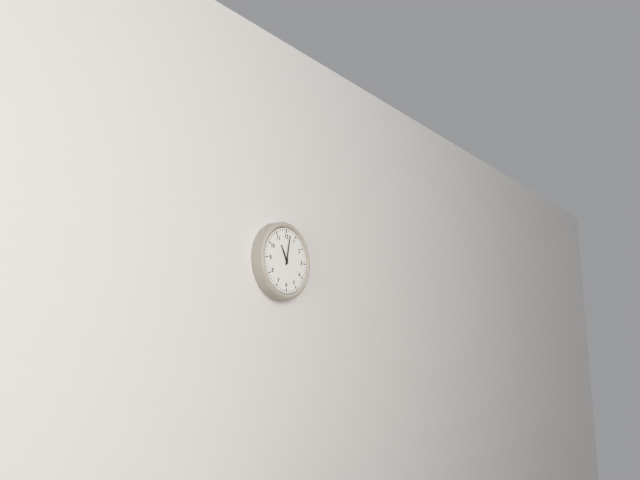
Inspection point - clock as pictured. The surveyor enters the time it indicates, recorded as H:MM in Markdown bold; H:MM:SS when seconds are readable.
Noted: **11:02**
